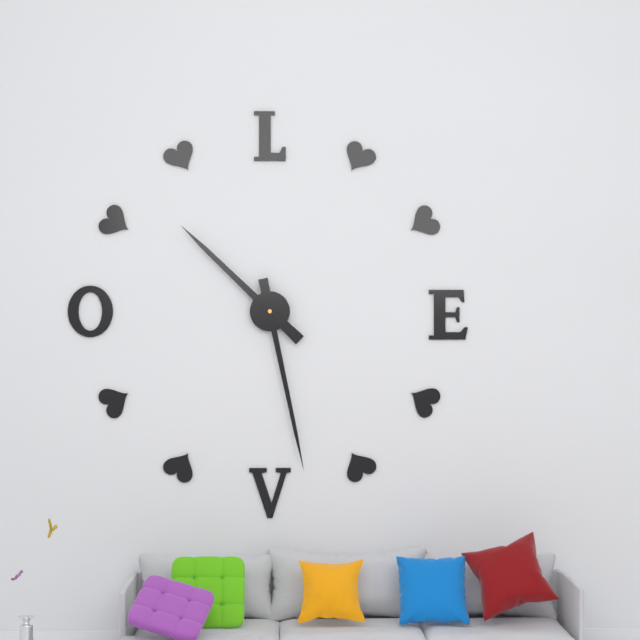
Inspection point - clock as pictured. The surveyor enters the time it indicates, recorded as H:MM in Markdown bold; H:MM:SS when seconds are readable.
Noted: **10:28**
